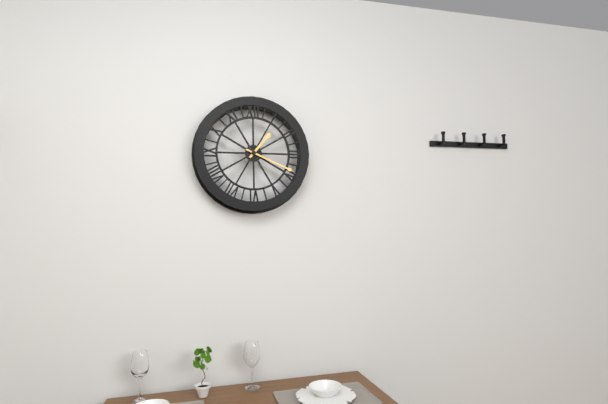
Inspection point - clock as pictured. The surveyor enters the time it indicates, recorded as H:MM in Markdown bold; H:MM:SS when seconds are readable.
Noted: **1:19**
